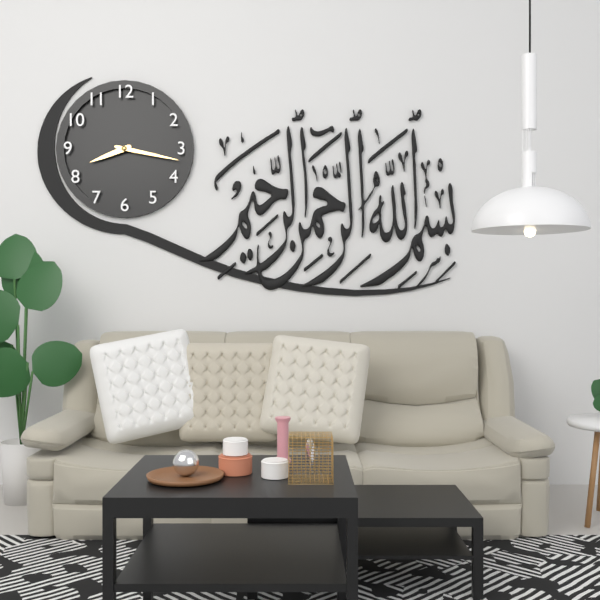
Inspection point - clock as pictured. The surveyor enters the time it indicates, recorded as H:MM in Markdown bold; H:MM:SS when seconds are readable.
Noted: **8:17**
